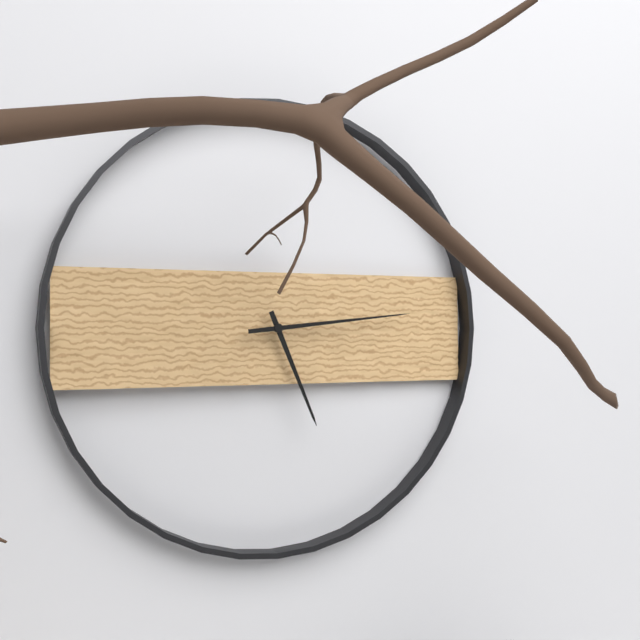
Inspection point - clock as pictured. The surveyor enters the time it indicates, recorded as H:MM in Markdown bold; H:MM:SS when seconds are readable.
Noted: **5:14**
